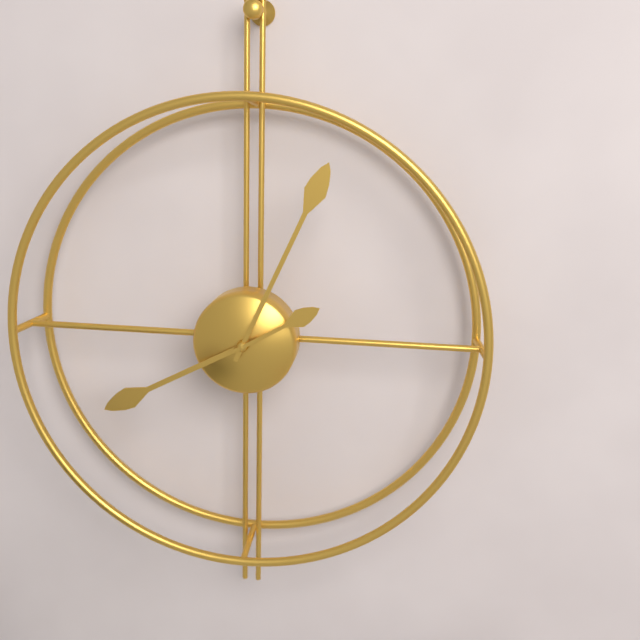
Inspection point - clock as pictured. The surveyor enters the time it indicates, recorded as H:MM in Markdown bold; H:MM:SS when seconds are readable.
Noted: **8:04:10**
